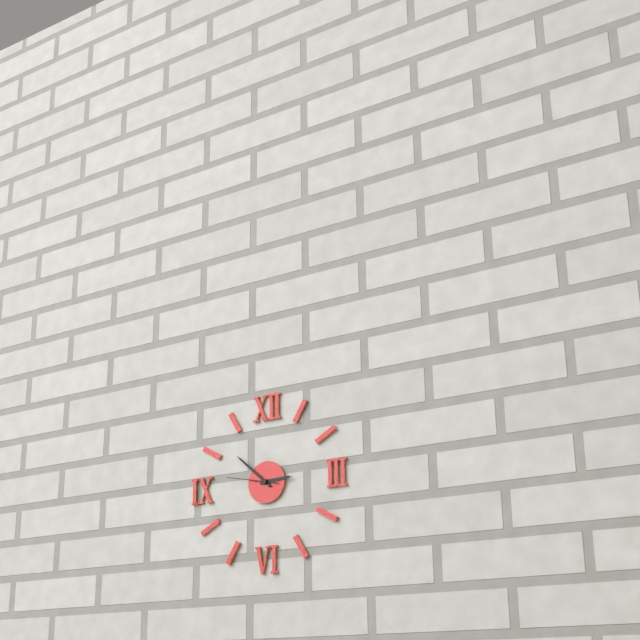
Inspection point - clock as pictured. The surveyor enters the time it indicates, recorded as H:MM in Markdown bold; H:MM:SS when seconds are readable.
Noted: **2:52:47**
